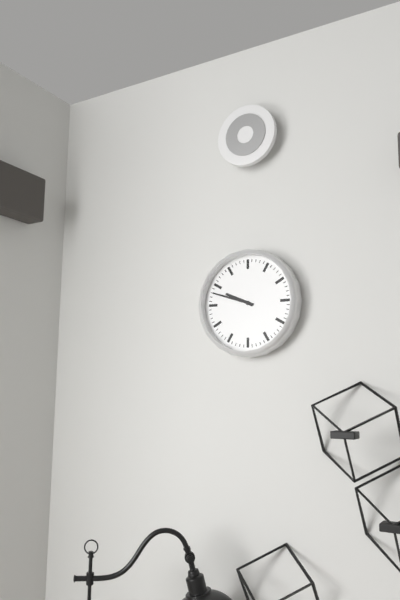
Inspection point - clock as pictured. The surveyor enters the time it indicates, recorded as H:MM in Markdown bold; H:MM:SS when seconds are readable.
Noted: **9:48**
